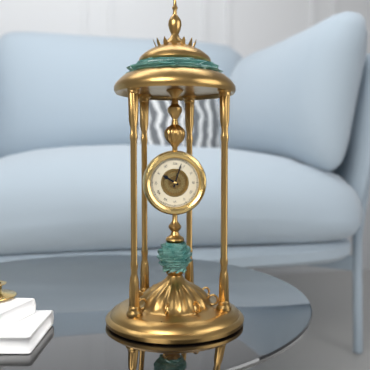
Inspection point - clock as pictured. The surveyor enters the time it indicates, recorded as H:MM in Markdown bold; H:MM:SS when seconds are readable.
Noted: **10:03**
